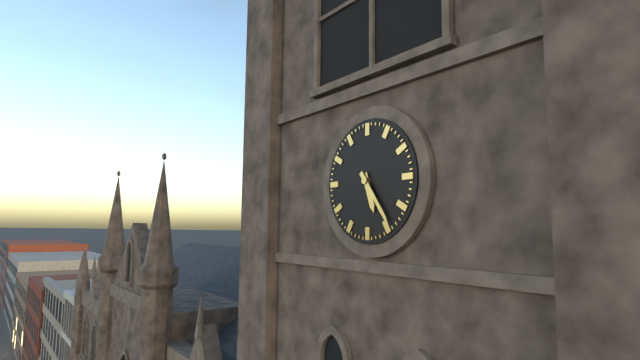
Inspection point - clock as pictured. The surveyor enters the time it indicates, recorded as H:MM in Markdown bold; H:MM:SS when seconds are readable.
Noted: **5:24**
